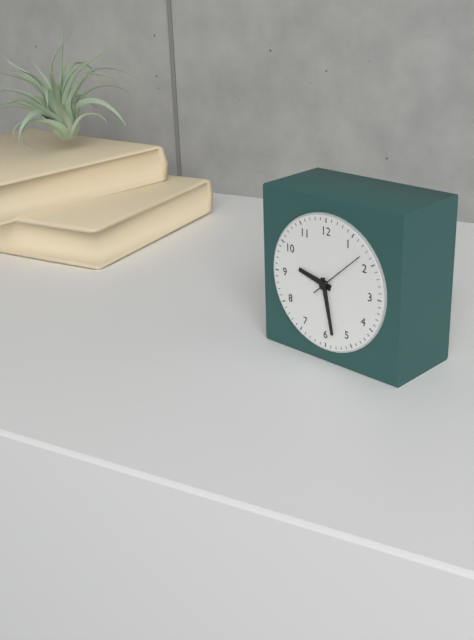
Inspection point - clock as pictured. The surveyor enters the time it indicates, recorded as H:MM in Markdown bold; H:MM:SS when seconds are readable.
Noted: **9:28:08**
